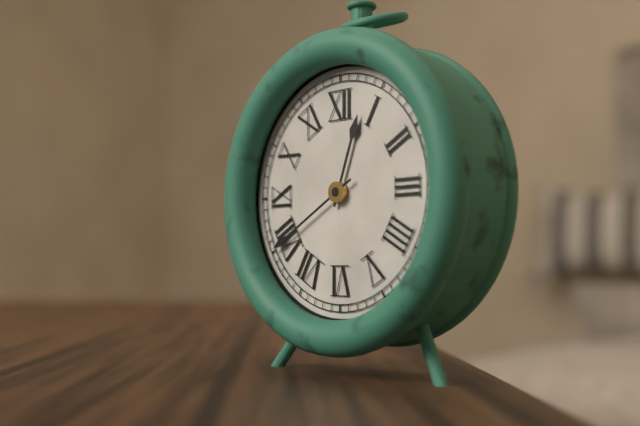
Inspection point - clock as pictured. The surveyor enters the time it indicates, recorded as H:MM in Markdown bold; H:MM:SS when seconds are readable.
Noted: **12:40**
